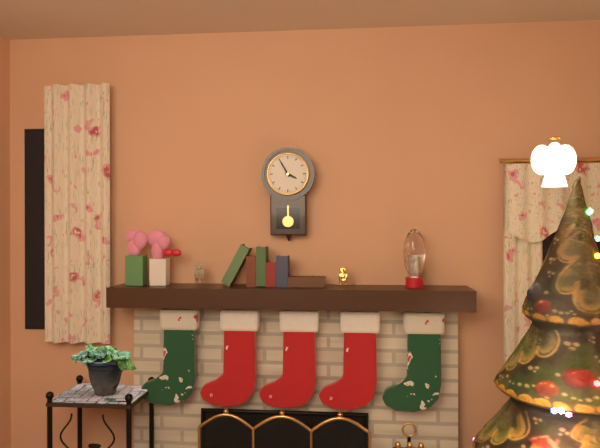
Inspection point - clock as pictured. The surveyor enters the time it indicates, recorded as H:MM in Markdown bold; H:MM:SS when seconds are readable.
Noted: **3:55**
